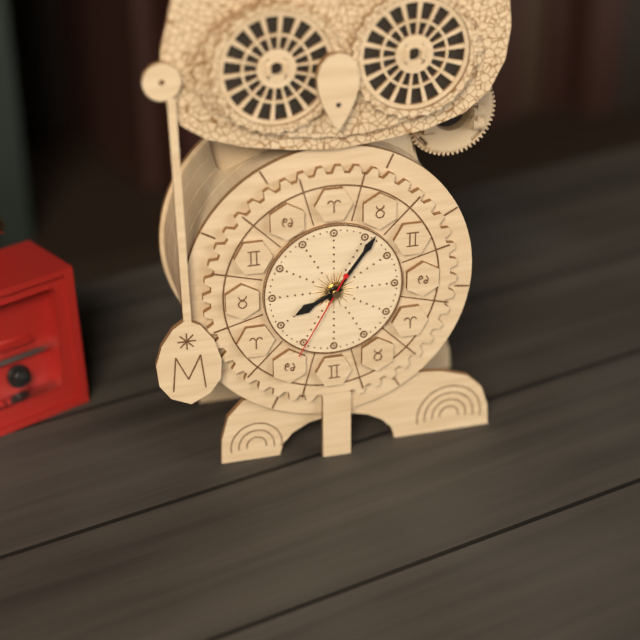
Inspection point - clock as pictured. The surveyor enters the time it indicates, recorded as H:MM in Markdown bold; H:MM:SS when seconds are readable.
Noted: **8:06:35**
